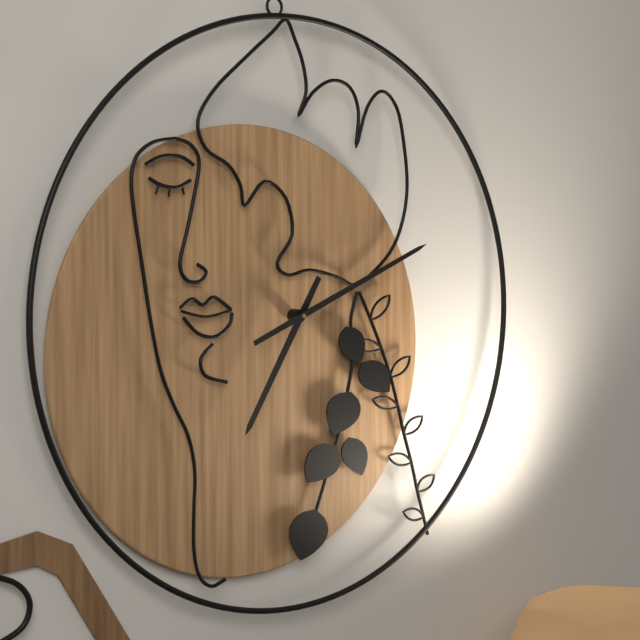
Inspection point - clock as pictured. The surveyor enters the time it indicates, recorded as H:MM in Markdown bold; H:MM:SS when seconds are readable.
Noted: **7:12**
